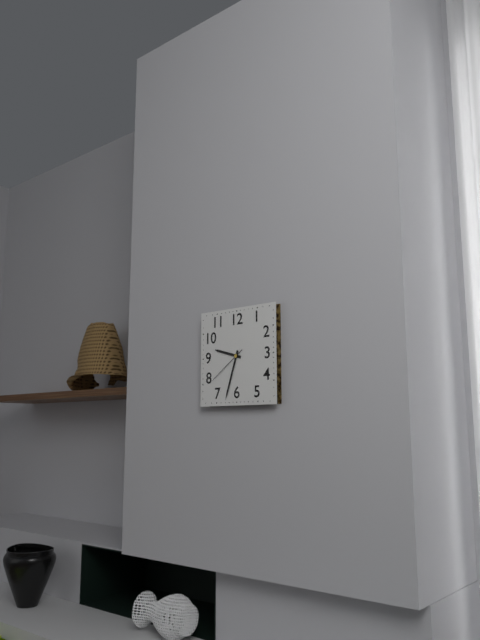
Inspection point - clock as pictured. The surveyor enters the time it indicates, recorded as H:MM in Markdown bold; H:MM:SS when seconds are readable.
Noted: **9:33**
